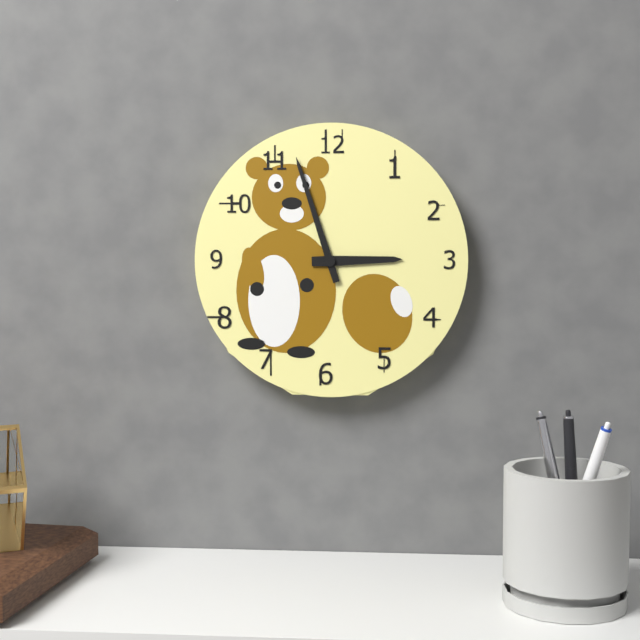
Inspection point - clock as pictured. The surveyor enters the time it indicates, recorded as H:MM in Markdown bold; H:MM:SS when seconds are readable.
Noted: **2:57**
